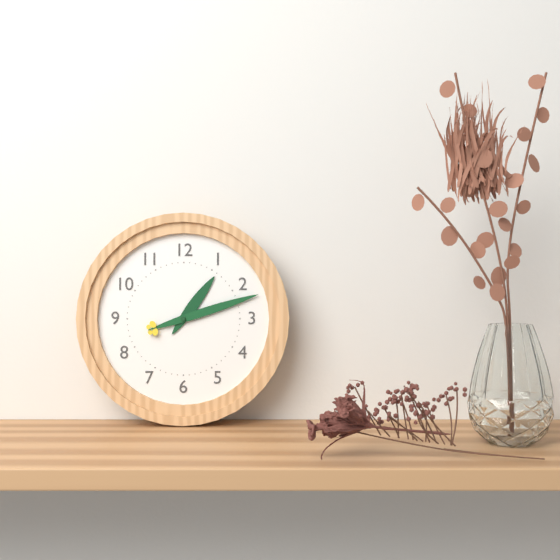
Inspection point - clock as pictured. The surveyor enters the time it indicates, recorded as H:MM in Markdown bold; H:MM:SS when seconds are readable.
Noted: **1:12**
